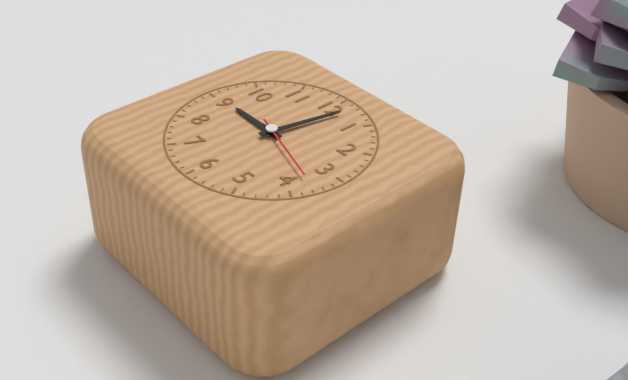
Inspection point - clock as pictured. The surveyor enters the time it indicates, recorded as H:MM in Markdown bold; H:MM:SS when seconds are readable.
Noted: **9:02:18**
